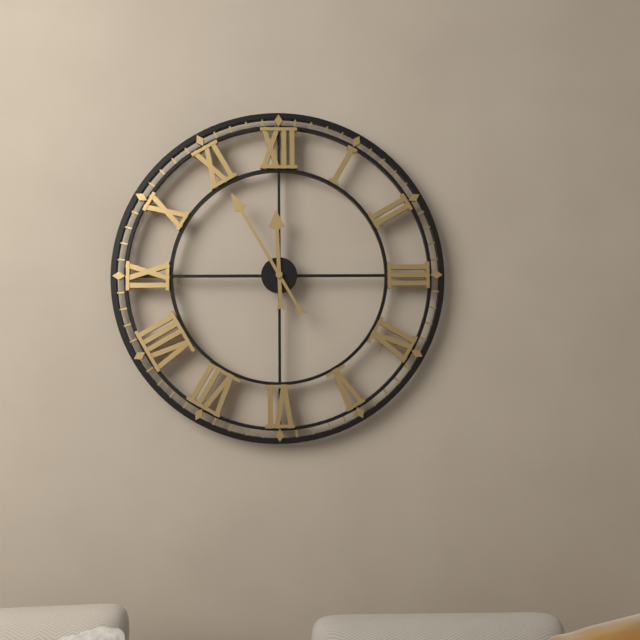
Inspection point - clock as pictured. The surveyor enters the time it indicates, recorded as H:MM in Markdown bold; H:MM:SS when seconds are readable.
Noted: **11:55**
